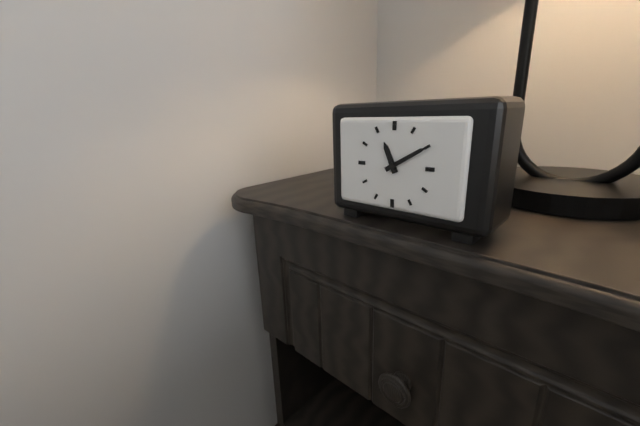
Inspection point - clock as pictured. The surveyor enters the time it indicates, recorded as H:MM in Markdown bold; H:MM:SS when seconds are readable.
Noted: **11:10**
